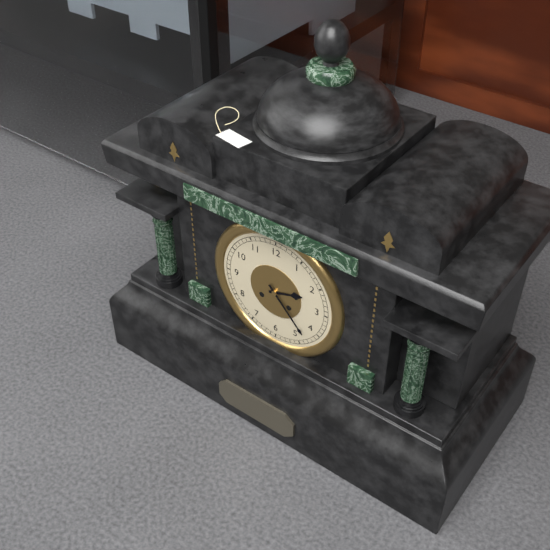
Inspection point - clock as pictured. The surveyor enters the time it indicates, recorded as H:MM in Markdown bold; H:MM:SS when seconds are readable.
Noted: **2:23**
